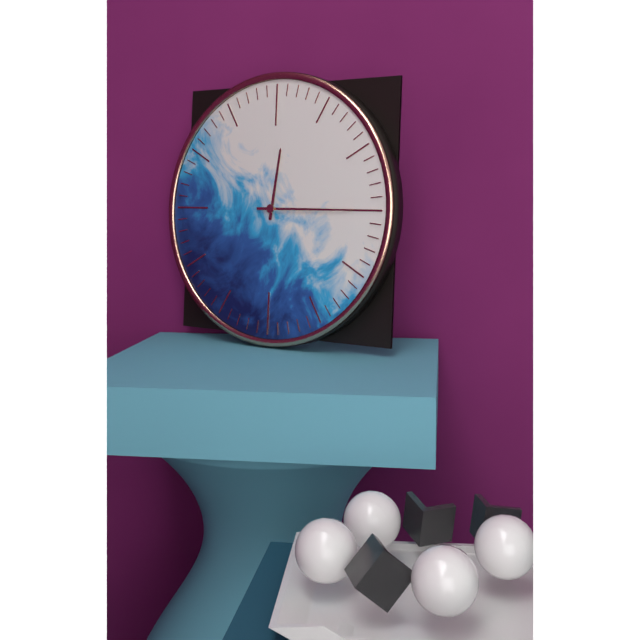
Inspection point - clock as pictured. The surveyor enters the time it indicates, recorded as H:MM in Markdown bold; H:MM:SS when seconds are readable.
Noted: **12:15**
